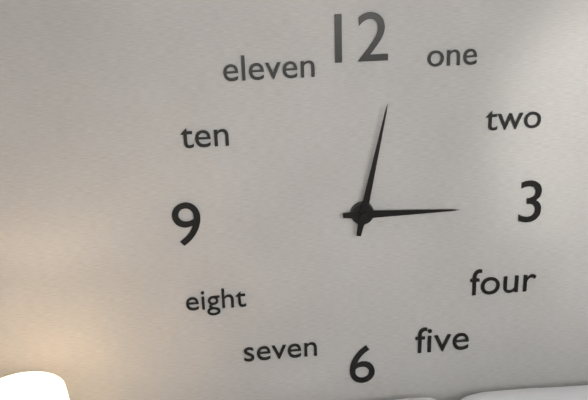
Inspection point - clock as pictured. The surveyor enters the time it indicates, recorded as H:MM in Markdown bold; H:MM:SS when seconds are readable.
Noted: **3:02**
